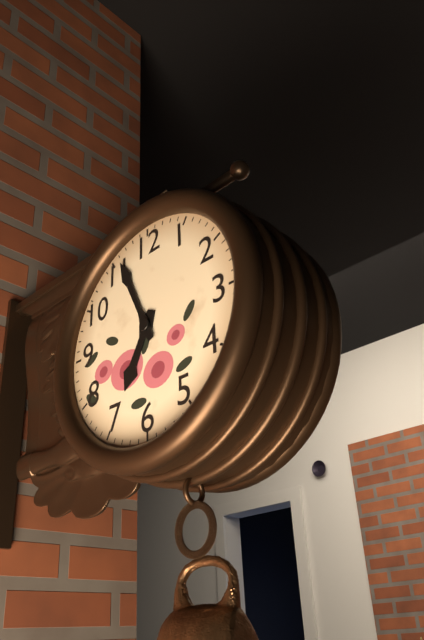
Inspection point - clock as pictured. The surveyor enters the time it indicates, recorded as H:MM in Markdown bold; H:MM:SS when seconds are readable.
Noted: **6:56**
